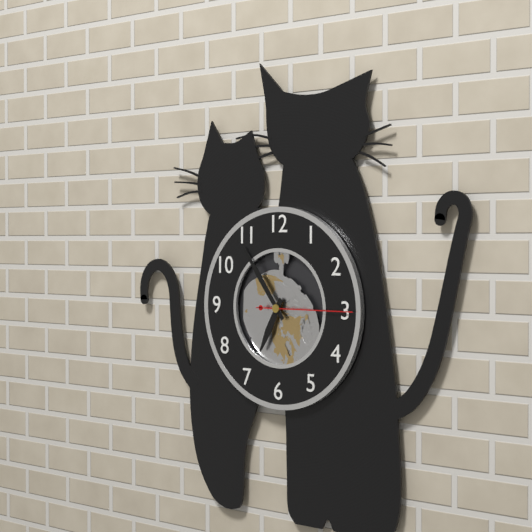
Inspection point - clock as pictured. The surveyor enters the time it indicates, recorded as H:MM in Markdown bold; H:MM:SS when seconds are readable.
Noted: **6:54:15**
